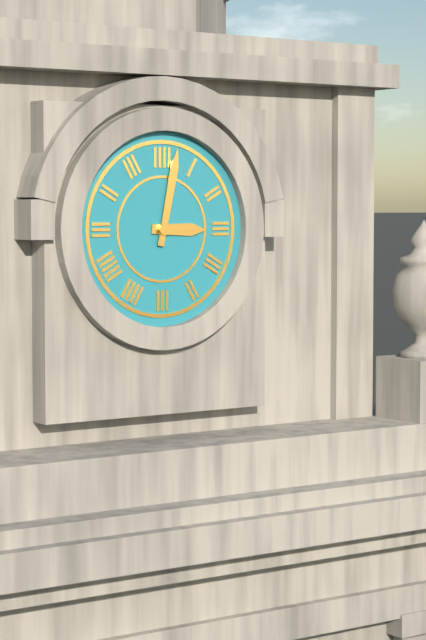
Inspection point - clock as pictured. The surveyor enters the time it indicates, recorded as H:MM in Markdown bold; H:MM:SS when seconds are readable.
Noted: **3:02**
